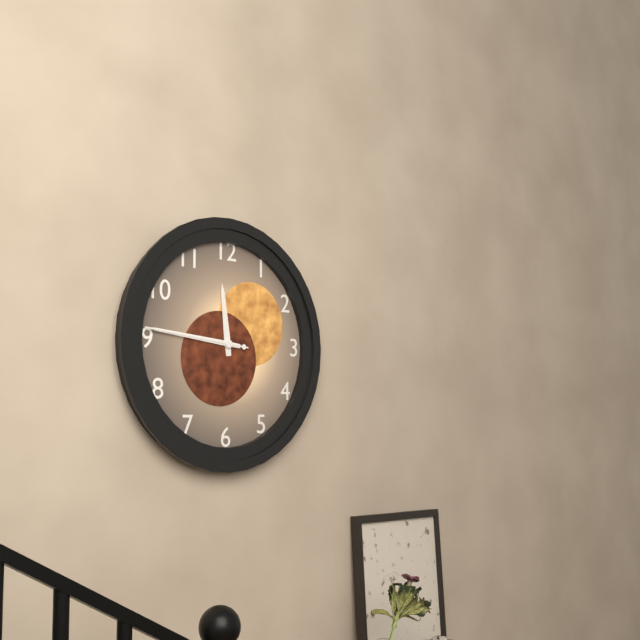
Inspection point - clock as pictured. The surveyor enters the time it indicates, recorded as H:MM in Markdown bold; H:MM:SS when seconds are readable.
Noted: **11:46:46**
